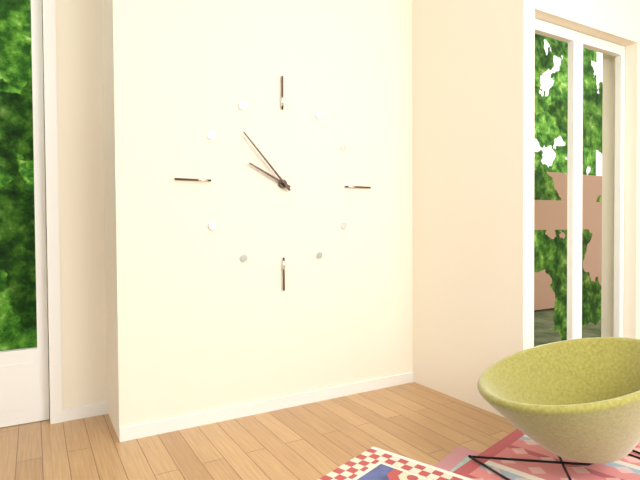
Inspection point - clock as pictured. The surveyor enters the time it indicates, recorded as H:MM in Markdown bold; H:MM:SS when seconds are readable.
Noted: **9:53**
